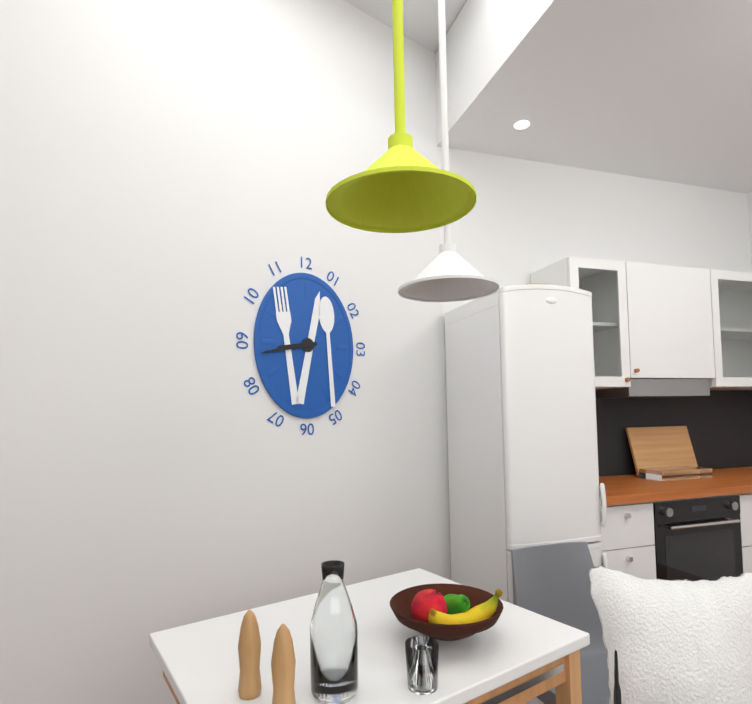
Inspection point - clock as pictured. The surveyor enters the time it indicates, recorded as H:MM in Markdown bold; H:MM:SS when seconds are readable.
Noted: **8:43**
